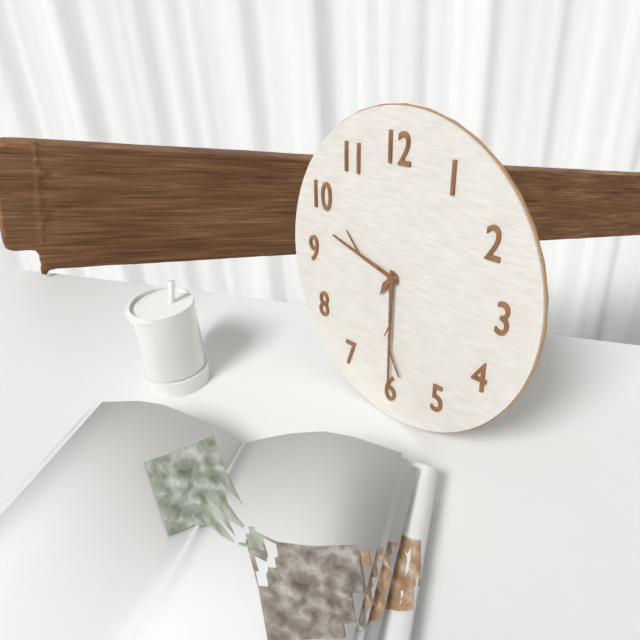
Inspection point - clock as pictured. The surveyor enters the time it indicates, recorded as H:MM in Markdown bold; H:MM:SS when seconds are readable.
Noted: **9:30**
